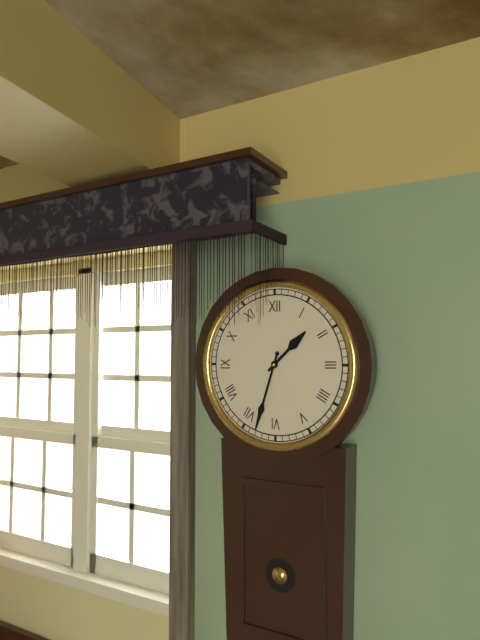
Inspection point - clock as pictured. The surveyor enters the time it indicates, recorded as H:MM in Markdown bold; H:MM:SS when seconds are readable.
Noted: **1:33**
